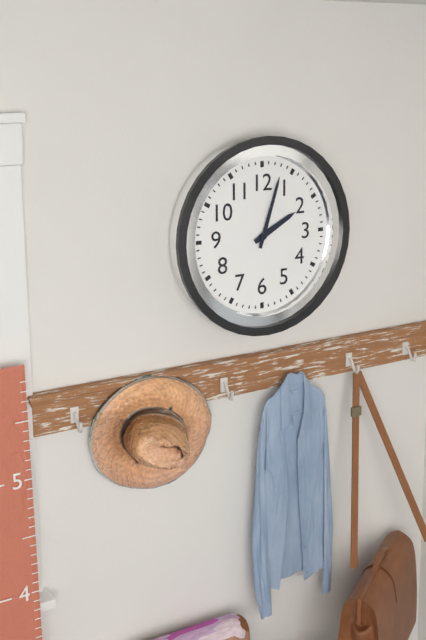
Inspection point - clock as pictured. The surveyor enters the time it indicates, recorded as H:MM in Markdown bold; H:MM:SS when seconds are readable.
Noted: **2:03**
